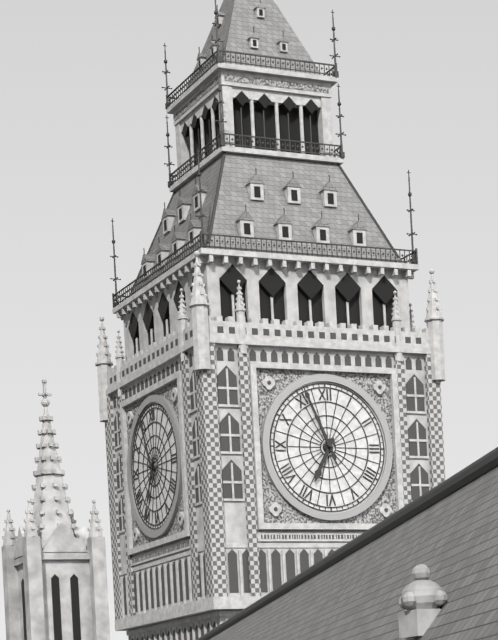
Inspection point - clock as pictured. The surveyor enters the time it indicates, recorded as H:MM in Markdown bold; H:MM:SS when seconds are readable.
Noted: **6:56**
